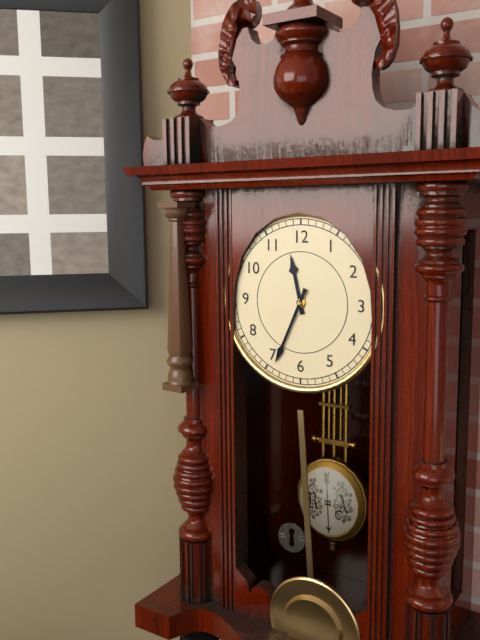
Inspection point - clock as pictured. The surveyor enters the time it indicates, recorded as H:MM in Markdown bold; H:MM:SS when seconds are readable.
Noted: **11:34**
